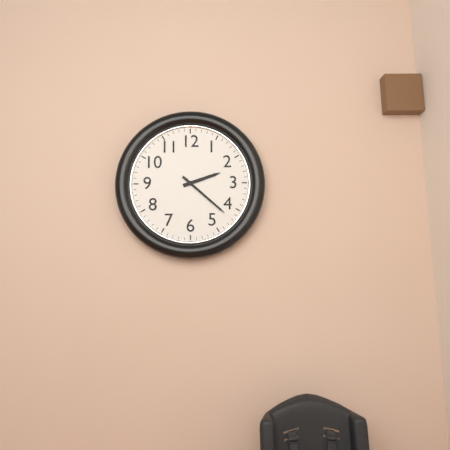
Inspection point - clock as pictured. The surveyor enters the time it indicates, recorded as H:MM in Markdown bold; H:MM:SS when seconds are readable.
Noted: **2:22**
